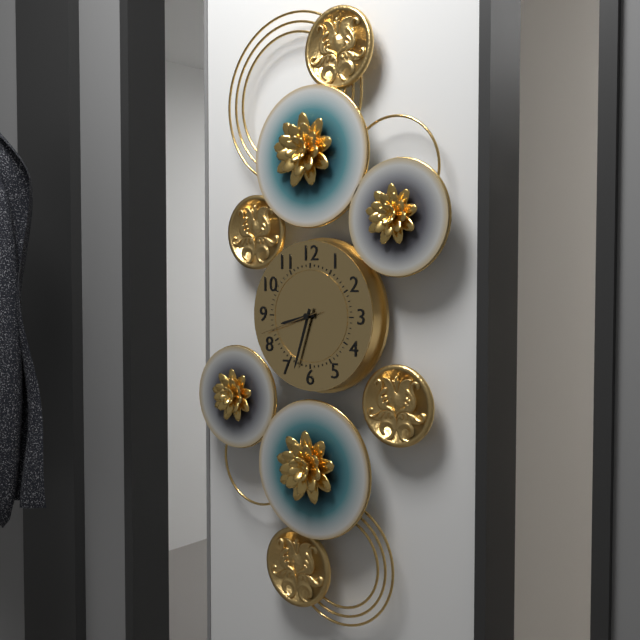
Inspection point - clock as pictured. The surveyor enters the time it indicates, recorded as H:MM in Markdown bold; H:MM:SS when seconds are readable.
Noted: **8:33:42**
